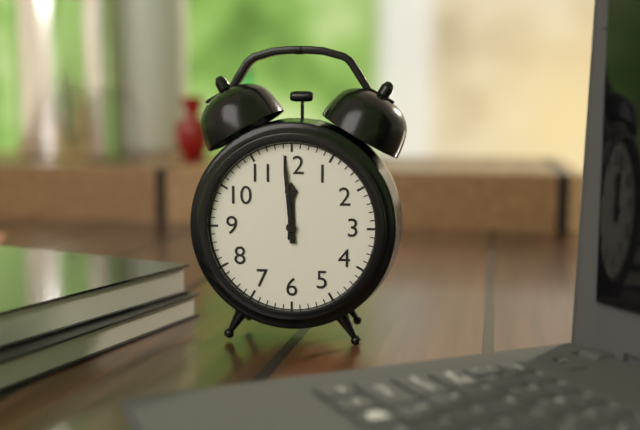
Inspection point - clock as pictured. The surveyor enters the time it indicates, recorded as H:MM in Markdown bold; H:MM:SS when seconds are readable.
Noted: **11:59**
